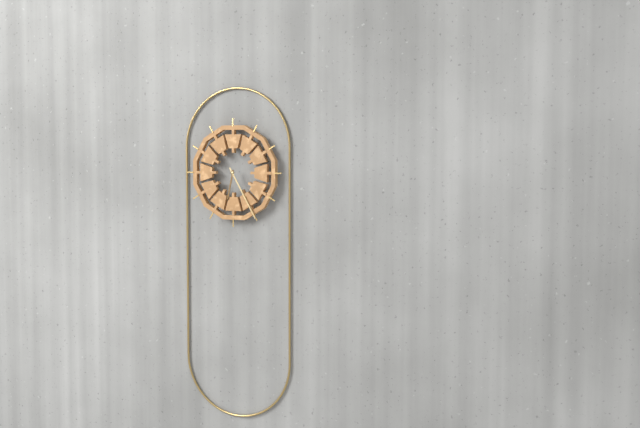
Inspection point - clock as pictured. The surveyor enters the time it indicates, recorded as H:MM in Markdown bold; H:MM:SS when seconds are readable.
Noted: **6:25**
